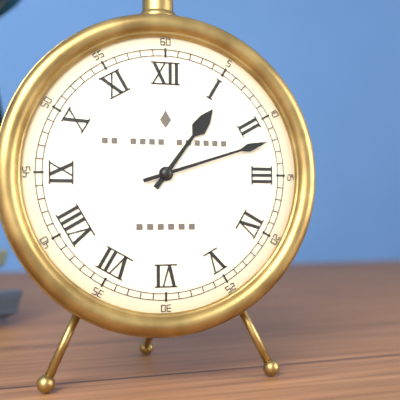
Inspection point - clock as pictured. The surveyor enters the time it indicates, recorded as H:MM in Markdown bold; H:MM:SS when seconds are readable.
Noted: **1:12**
